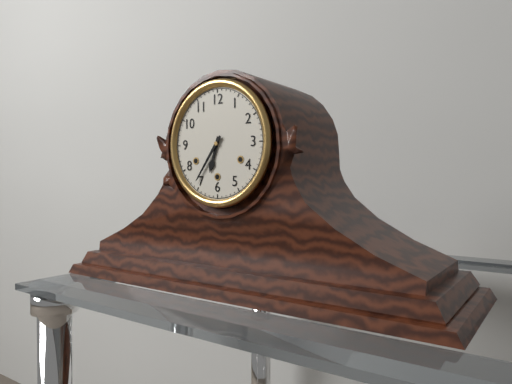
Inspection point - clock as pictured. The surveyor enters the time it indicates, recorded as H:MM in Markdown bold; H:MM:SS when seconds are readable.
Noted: **6:36**
